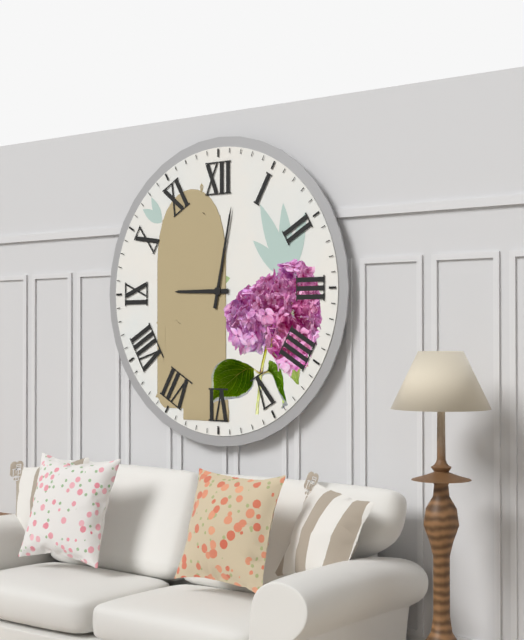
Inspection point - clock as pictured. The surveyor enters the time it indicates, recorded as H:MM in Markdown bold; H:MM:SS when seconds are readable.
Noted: **9:02**
